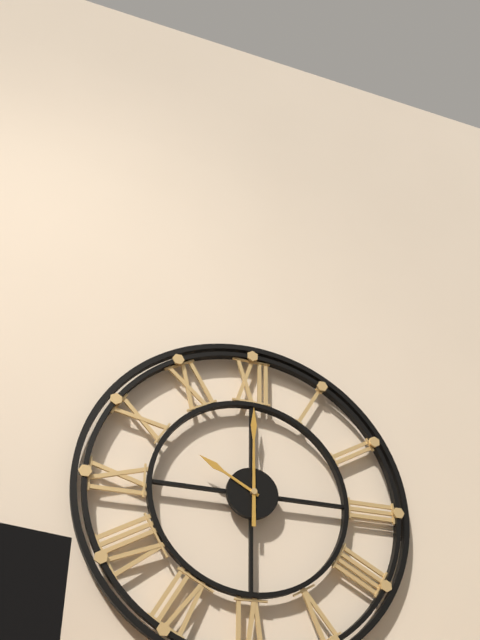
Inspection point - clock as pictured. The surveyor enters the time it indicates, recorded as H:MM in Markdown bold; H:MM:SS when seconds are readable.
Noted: **10:00**
